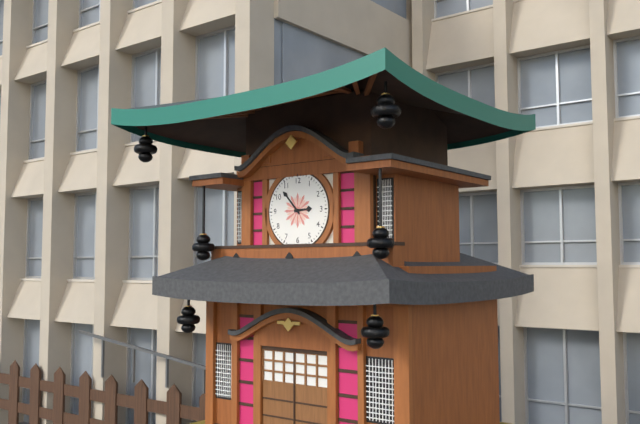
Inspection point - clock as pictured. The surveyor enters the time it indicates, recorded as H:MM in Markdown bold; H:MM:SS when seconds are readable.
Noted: **2:53**
